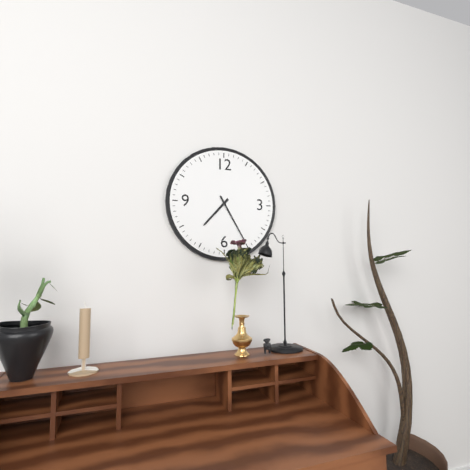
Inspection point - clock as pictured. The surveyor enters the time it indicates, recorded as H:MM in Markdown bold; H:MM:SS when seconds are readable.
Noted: **7:25**
